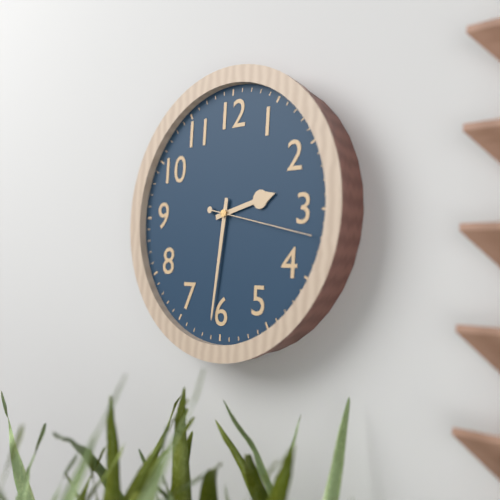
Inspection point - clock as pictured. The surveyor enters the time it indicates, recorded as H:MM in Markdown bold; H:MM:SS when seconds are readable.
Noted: **2:31:17**
